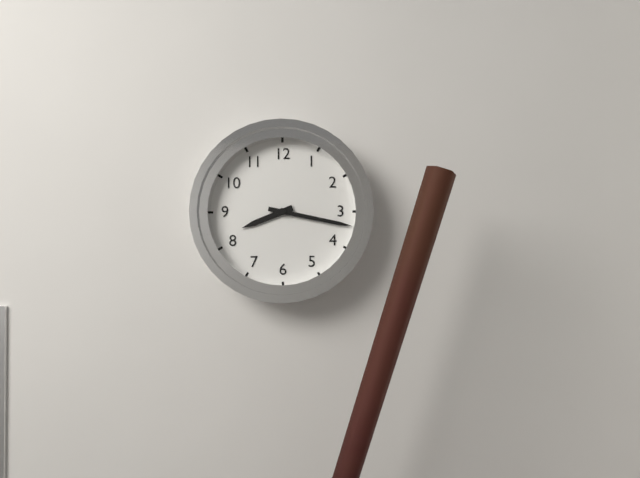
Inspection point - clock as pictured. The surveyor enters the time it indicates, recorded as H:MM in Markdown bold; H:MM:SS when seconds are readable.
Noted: **8:17**
